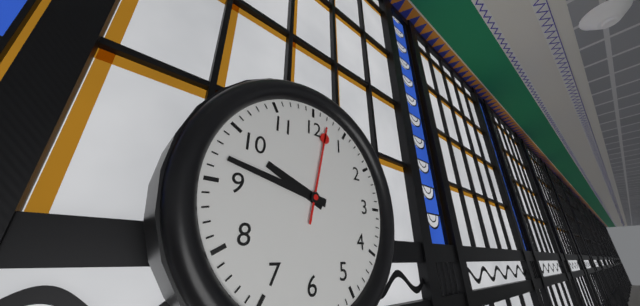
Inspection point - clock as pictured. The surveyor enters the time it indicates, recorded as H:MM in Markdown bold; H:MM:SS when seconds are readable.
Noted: **9:47:02**
